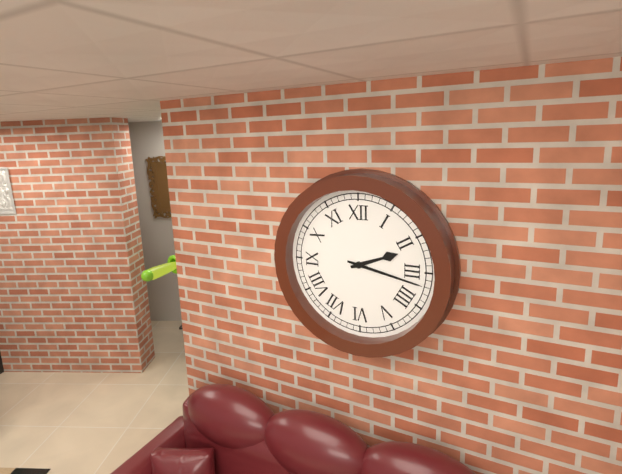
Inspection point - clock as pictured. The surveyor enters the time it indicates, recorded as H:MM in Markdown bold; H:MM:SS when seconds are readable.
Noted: **2:17**
